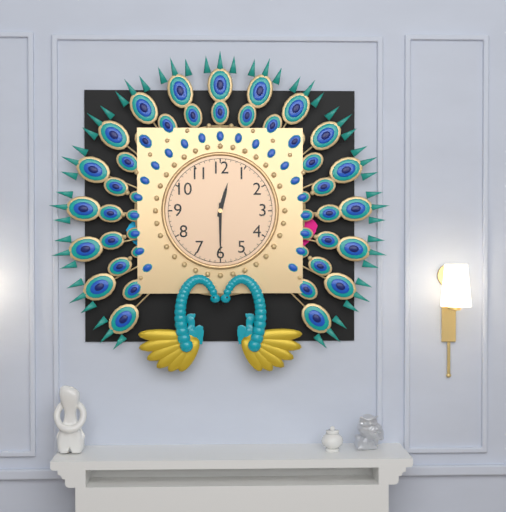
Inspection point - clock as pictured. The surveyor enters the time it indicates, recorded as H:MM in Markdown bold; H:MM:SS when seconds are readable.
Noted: **12:30**
